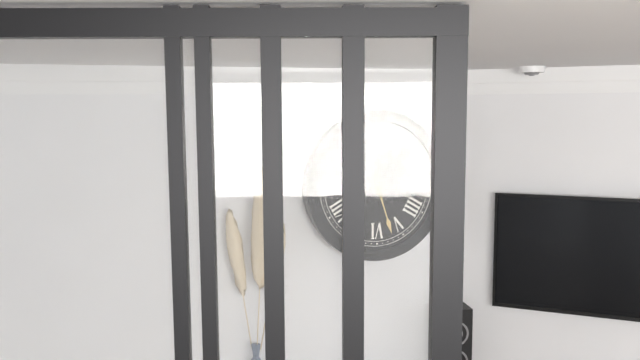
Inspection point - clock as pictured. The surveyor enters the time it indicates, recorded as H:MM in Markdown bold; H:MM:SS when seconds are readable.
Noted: **11:27**
